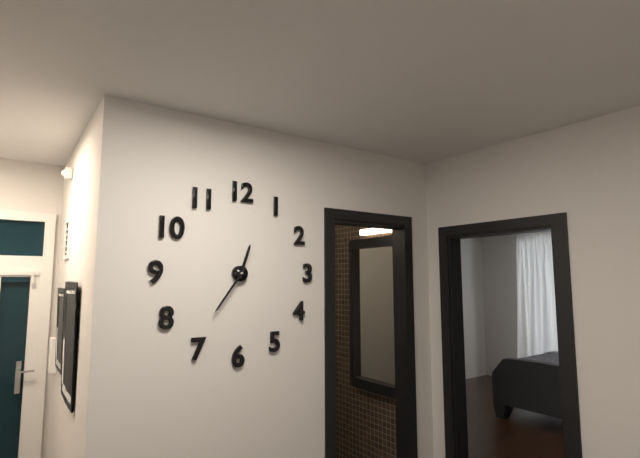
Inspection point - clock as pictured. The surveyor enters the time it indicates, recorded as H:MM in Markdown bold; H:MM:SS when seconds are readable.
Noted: **12:36**
